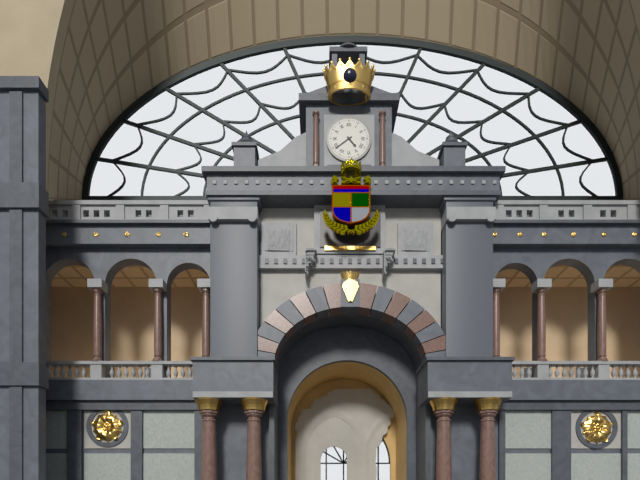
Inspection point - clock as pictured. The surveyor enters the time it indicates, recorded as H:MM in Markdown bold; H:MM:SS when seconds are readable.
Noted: **4:39**
